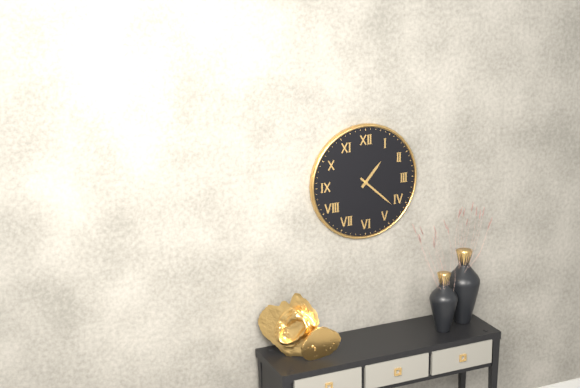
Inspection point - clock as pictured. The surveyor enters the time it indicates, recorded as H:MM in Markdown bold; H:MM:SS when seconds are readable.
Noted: **1:22**
